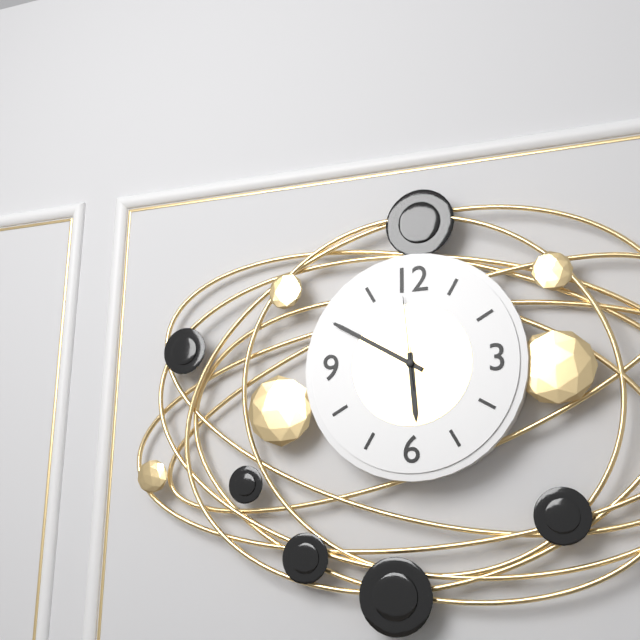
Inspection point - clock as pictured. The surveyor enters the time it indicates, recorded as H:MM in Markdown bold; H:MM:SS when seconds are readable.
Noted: **5:50:59**
